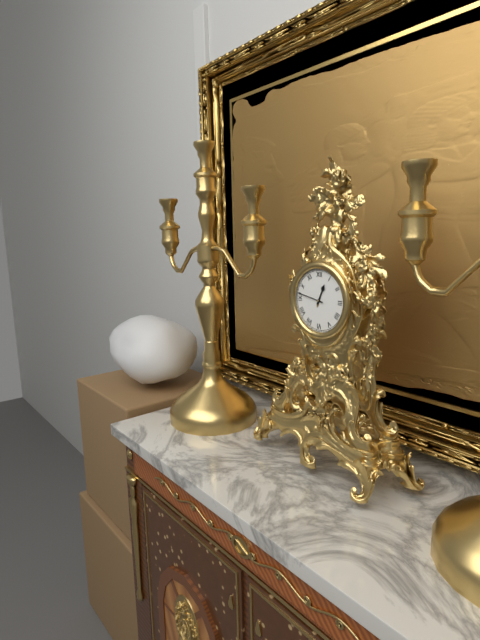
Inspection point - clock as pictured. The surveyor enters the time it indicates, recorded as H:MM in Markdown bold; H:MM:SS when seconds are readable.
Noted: **12:47**
